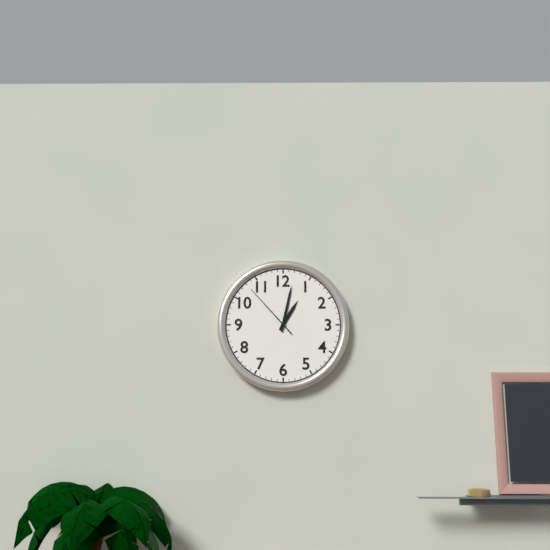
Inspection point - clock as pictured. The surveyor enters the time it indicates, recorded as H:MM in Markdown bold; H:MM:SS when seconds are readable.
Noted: **1:02:53**
